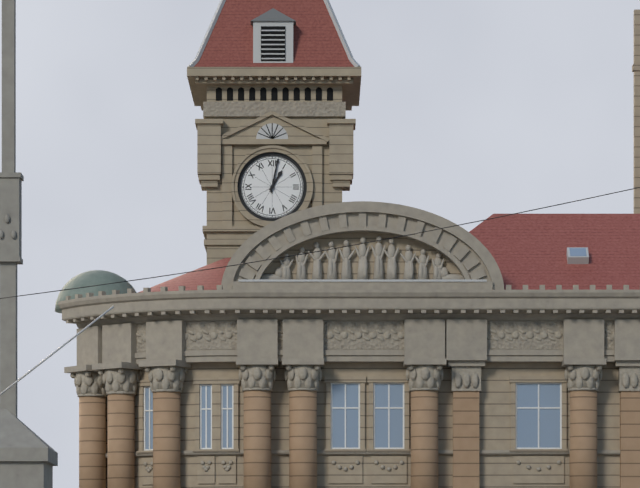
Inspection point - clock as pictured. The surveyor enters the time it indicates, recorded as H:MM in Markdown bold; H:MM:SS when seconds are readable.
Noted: **1:02**
